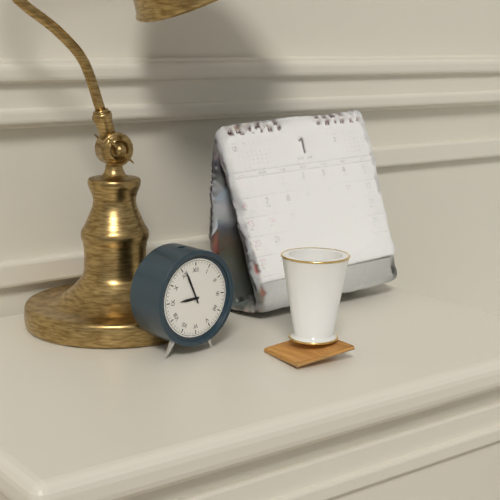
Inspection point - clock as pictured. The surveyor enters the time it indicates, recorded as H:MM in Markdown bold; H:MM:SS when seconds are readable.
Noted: **8:56**
